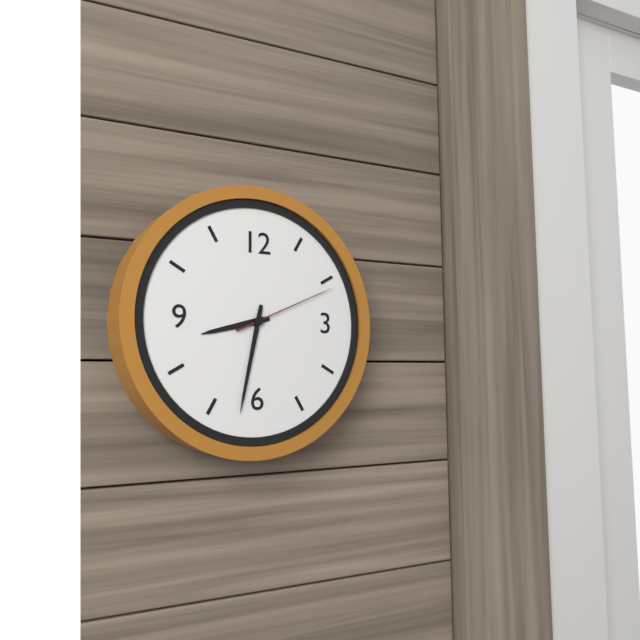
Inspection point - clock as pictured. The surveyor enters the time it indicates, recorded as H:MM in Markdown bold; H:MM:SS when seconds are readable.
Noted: **8:32:11**
